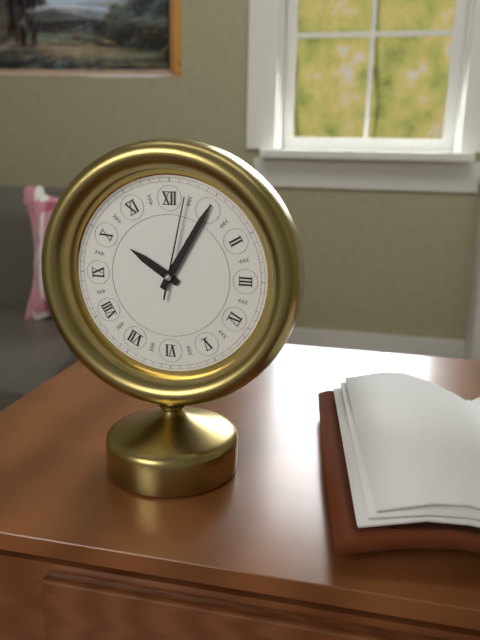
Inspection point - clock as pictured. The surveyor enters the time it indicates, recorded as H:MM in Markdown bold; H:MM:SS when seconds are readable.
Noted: **10:05:02**
